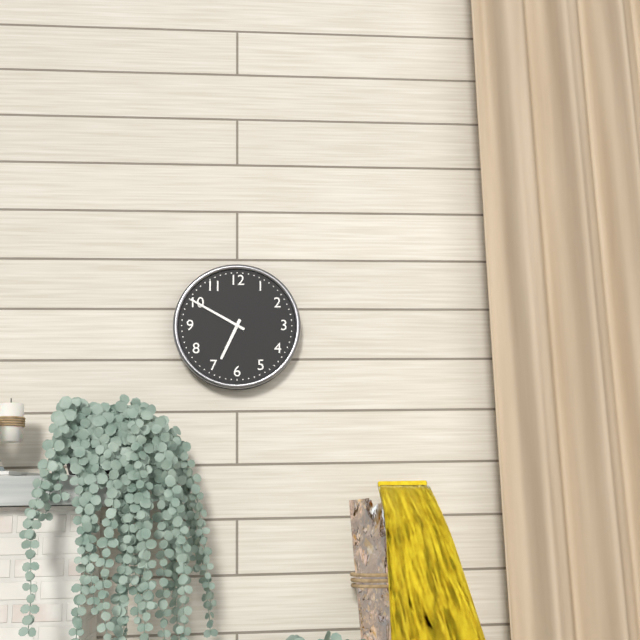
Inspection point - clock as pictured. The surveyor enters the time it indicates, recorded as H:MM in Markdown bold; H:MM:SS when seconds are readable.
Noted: **6:50**
